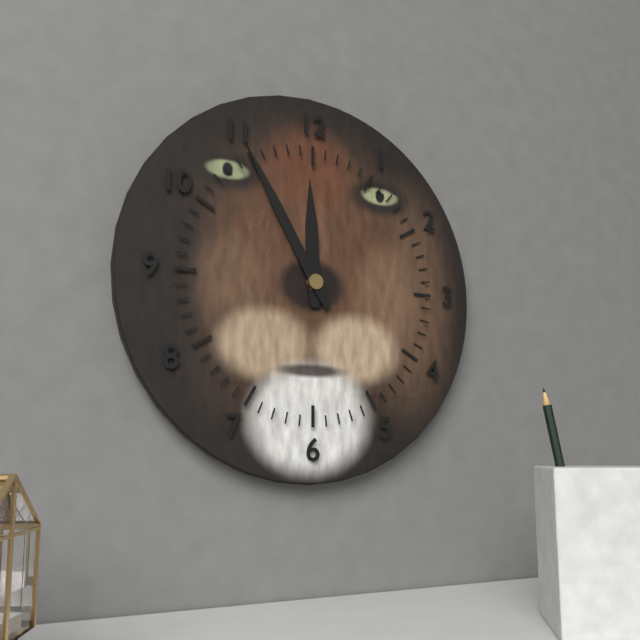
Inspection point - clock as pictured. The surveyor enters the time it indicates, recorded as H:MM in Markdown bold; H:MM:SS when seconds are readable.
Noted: **11:55**
